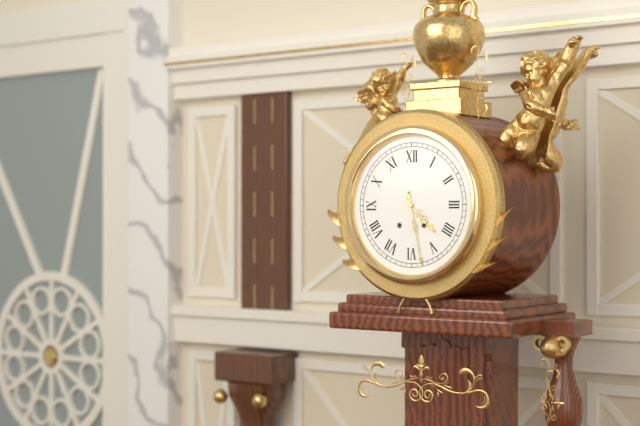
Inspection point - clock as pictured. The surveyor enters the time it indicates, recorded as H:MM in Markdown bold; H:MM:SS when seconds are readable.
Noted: **4:28**
